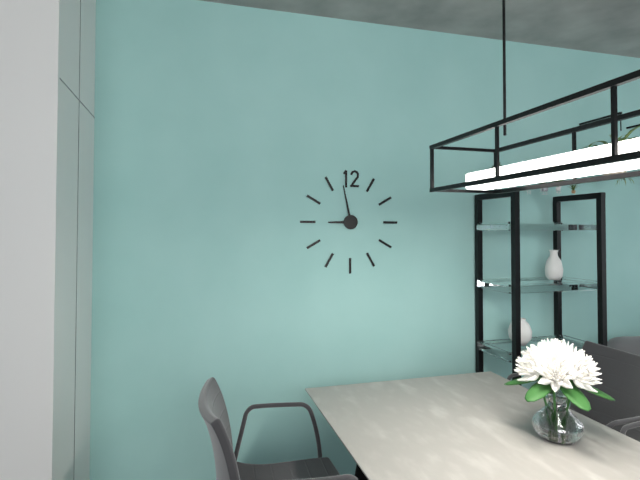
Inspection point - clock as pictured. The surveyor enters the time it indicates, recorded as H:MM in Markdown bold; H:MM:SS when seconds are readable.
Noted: **8:58**
